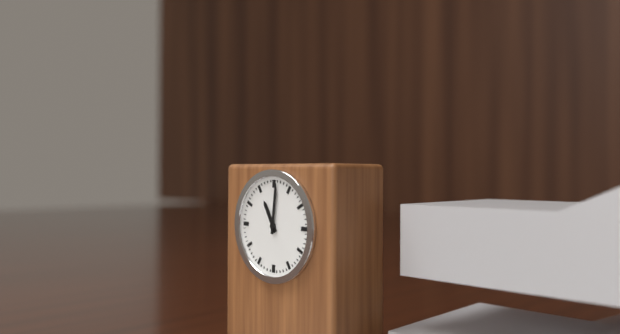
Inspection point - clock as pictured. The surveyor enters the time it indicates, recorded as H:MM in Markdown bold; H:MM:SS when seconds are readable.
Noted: **11:01**
